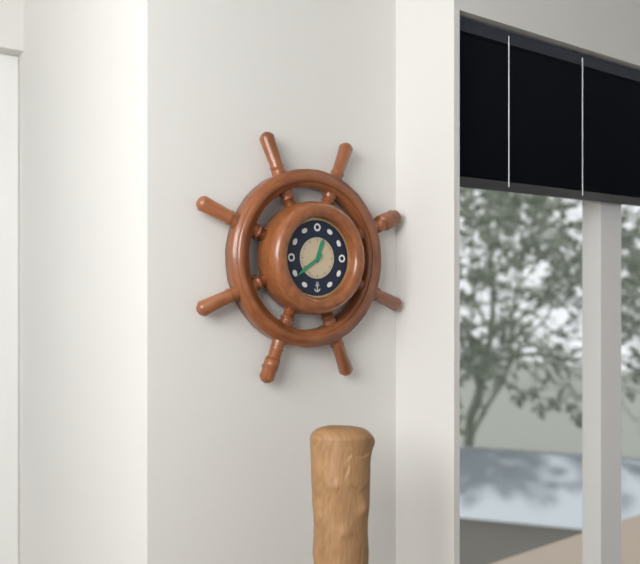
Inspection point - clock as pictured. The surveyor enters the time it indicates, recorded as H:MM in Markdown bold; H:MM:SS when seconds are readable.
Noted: **12:39**
